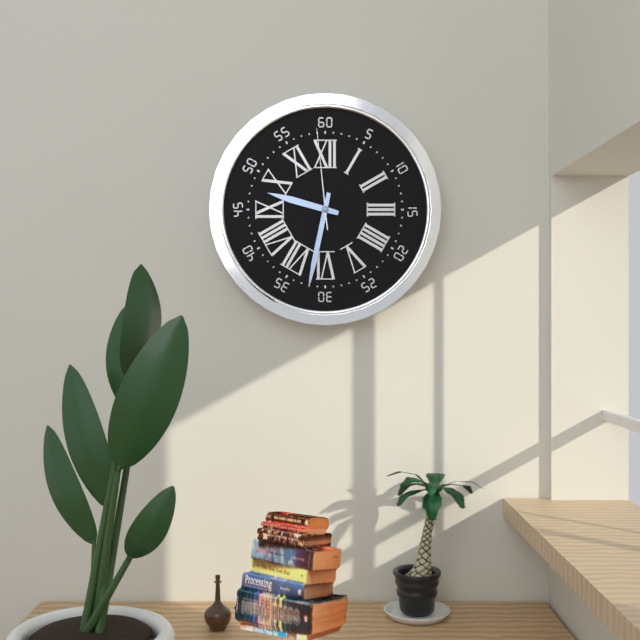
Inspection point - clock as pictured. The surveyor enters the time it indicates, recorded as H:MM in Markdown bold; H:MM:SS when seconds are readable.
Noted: **9:32:59**
